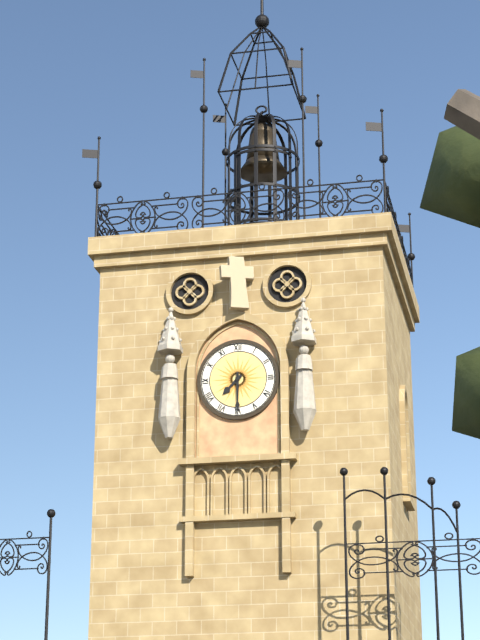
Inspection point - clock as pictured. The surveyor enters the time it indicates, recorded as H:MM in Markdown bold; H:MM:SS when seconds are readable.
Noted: **7:30**
